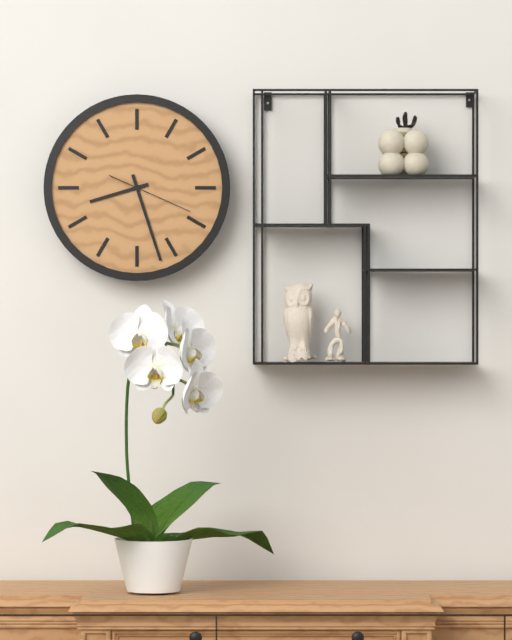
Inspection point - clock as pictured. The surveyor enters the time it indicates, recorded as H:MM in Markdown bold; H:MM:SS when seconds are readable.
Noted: **8:27:19**
